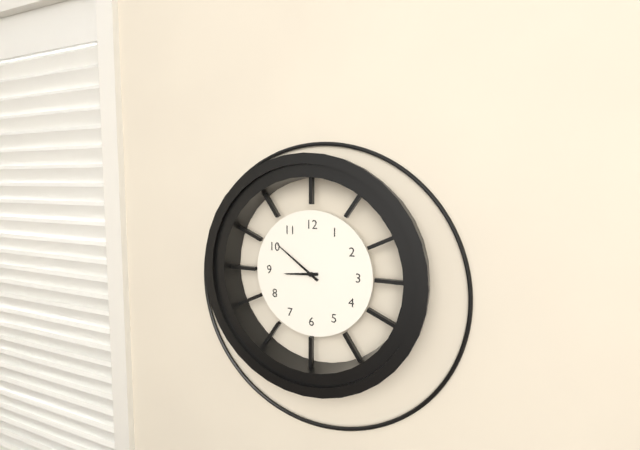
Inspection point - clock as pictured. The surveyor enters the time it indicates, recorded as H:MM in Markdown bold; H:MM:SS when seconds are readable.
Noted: **8:51**
